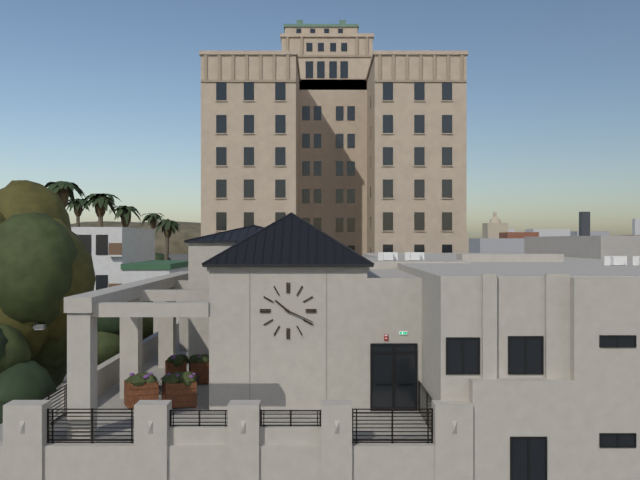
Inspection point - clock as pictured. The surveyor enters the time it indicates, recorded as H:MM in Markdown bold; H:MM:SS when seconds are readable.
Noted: **10:19**
